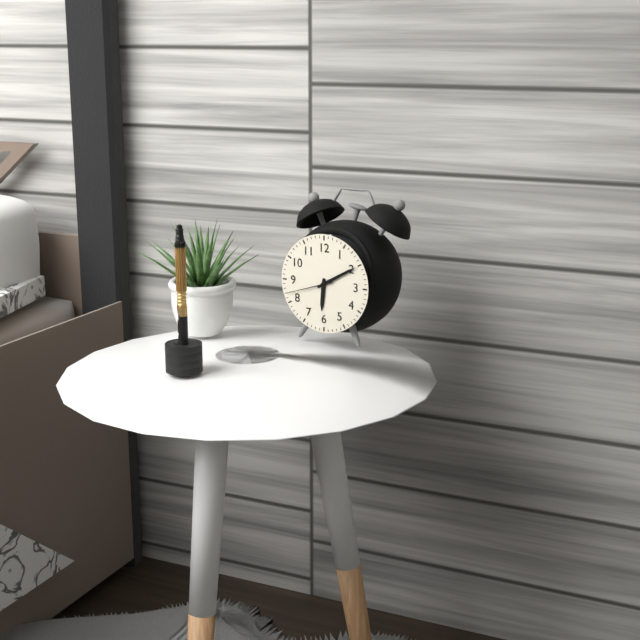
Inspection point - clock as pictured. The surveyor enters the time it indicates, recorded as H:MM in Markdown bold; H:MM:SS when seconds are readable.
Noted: **6:10**
